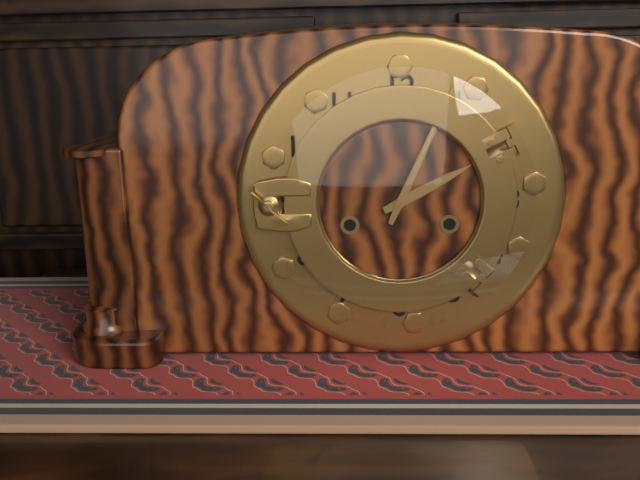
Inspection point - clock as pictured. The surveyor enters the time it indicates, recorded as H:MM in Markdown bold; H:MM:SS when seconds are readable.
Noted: **2:04**
